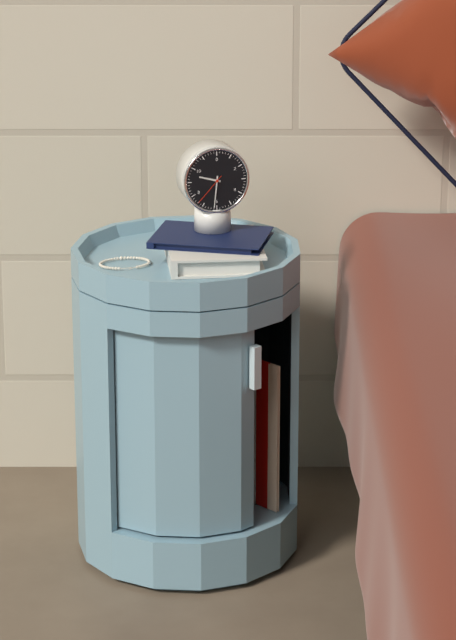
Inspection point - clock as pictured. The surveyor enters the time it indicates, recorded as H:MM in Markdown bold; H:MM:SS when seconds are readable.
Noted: **9:31**
